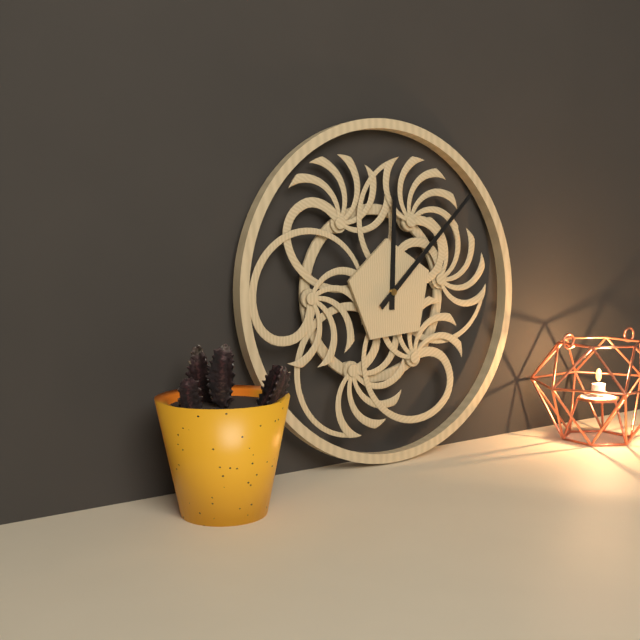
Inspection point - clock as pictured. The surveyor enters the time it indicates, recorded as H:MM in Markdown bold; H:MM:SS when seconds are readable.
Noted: **12:08**
